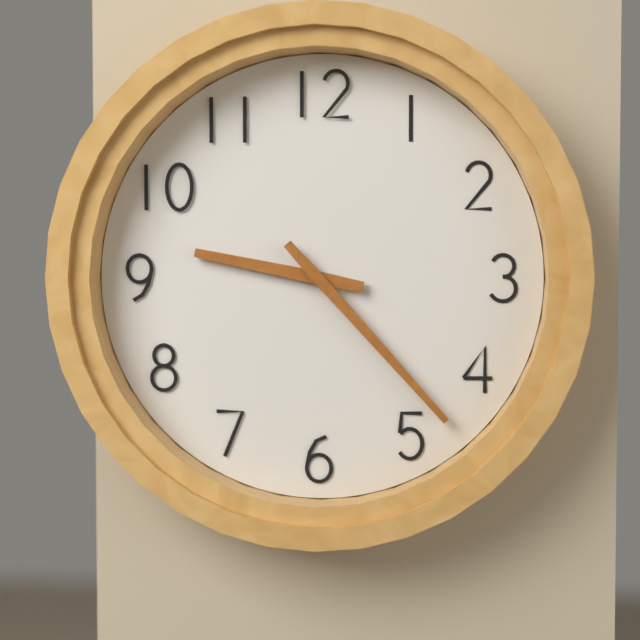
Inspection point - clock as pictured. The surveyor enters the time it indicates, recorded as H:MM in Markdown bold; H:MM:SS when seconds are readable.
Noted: **9:23**
